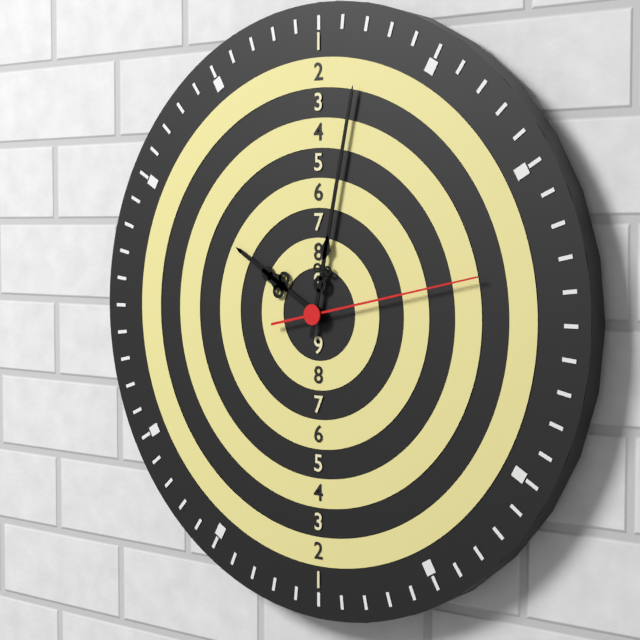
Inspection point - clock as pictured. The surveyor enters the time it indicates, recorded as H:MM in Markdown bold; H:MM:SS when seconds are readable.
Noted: **10:02:13**
